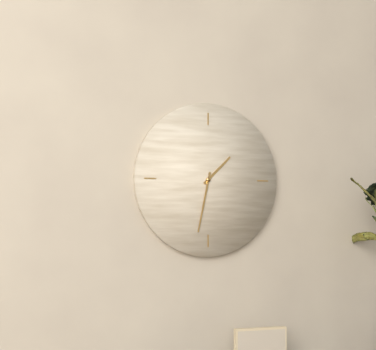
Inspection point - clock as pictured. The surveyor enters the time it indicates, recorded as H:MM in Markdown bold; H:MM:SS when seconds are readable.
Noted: **1:32**
